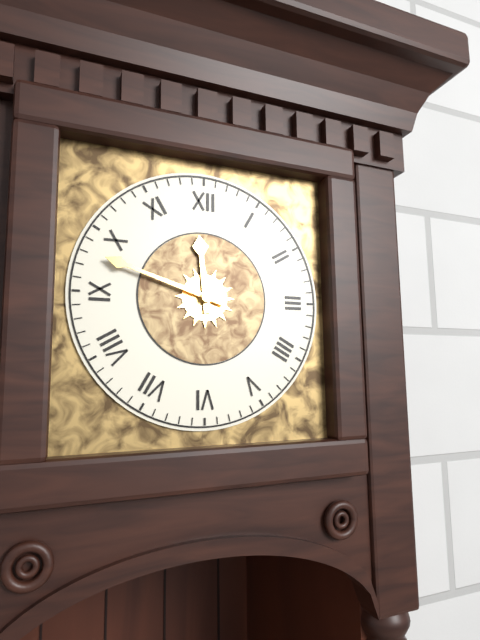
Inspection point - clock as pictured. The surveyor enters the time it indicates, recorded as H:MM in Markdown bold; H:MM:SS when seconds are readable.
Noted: **11:48**
